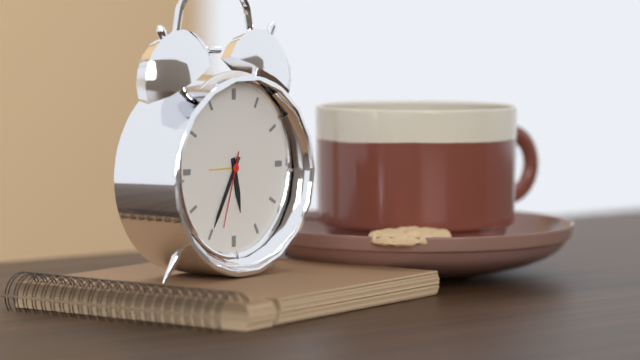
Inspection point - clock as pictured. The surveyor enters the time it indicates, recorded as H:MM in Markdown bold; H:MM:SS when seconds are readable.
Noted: **5:35:33**
